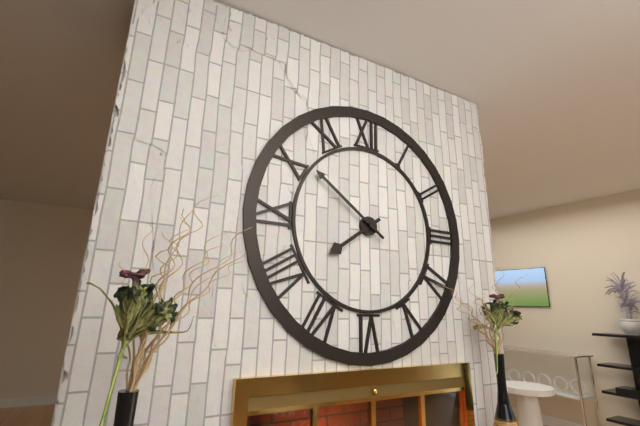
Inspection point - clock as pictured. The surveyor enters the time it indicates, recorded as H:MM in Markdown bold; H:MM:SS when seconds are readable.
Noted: **7:51**
